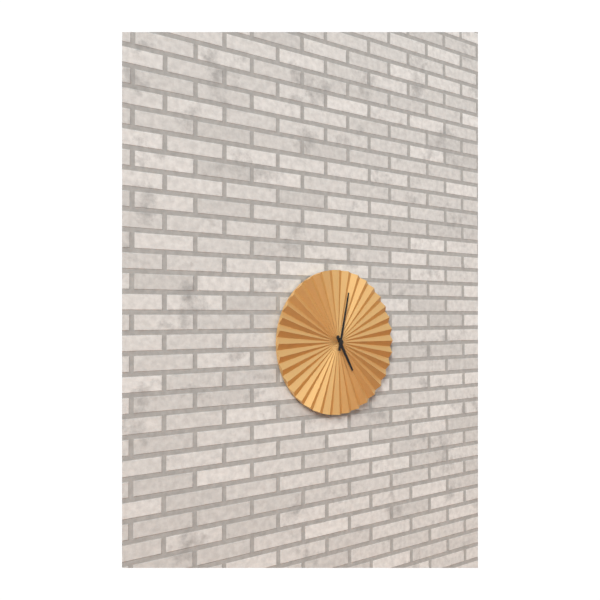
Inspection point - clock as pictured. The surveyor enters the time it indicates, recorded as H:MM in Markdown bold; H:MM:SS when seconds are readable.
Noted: **5:02**
